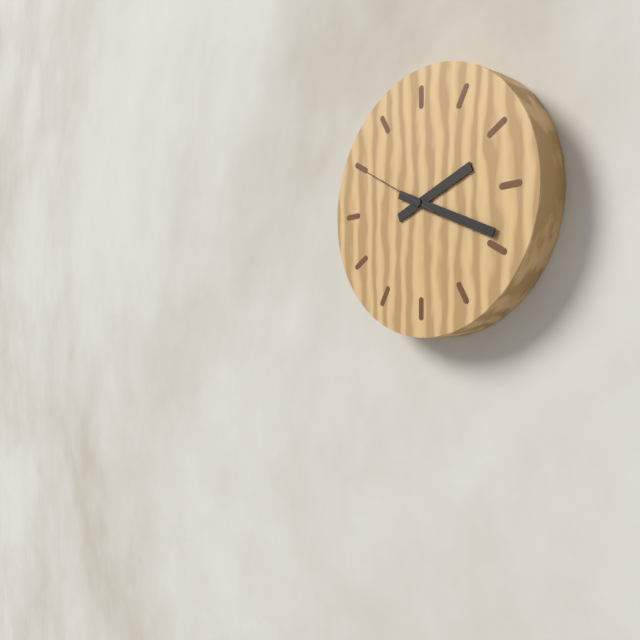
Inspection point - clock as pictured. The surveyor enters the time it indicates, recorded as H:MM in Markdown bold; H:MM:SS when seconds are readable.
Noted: **2:19:50**
